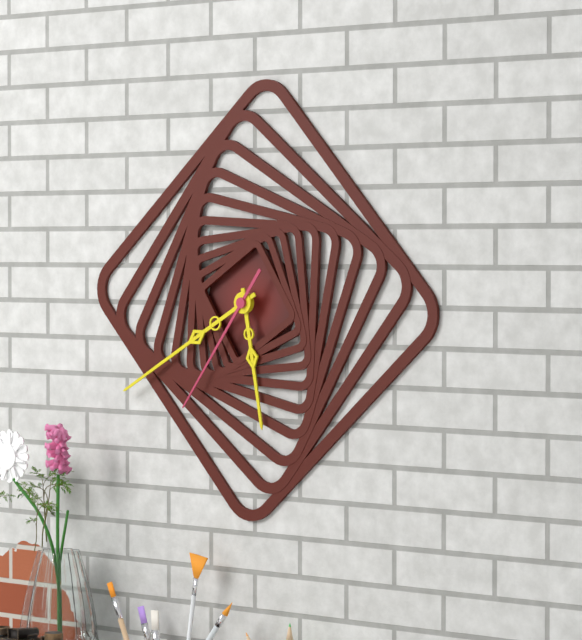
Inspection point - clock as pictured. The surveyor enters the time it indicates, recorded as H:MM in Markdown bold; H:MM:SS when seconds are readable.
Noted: **5:40:36**
